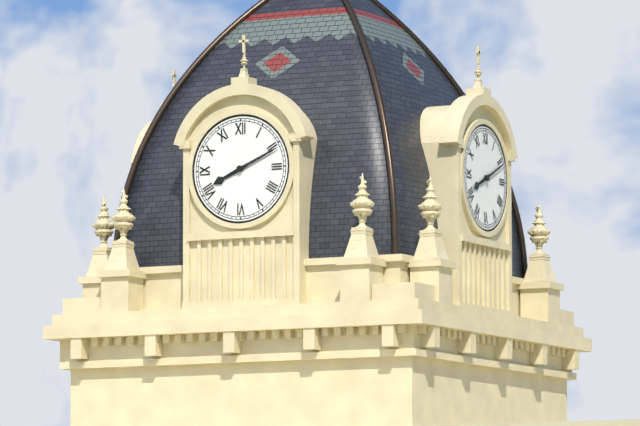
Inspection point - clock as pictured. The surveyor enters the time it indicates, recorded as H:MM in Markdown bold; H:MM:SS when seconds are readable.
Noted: **8:11**
